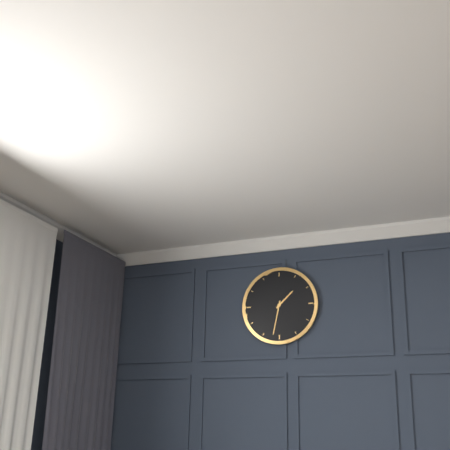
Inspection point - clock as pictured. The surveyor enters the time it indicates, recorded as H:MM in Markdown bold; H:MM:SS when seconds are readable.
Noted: **1:32**
